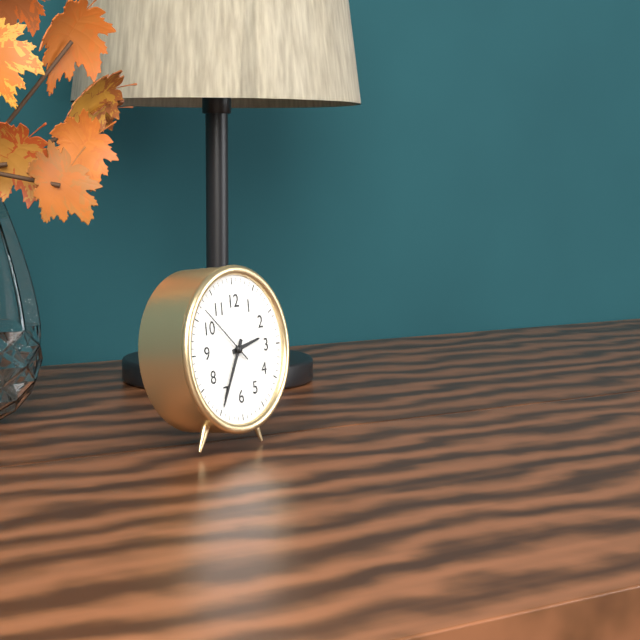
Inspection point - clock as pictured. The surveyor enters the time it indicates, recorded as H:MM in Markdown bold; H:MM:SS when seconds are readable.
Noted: **2:35:52**
